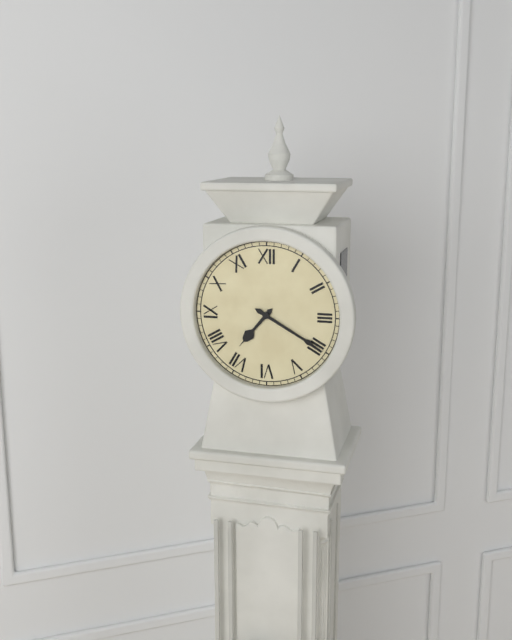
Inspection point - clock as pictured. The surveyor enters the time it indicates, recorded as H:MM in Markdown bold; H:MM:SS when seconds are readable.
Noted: **7:20**
